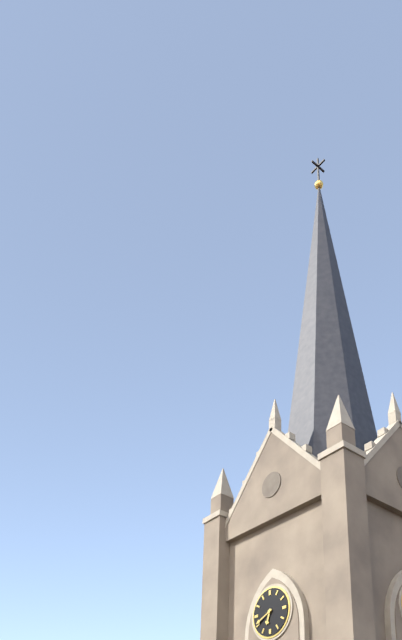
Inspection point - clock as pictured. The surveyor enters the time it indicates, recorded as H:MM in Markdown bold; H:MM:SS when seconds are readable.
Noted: **6:41**
